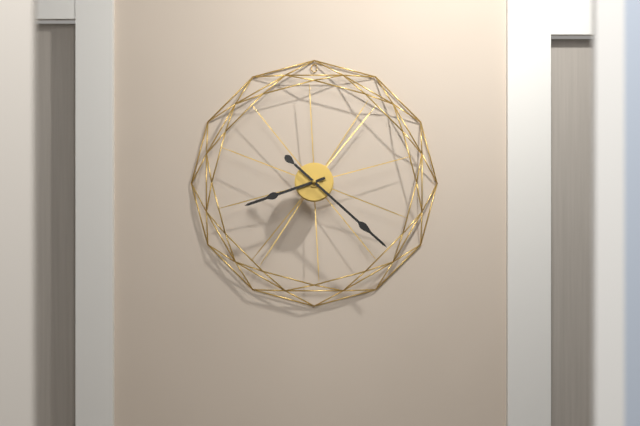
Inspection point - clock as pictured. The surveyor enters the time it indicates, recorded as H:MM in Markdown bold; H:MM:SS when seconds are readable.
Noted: **8:22**
